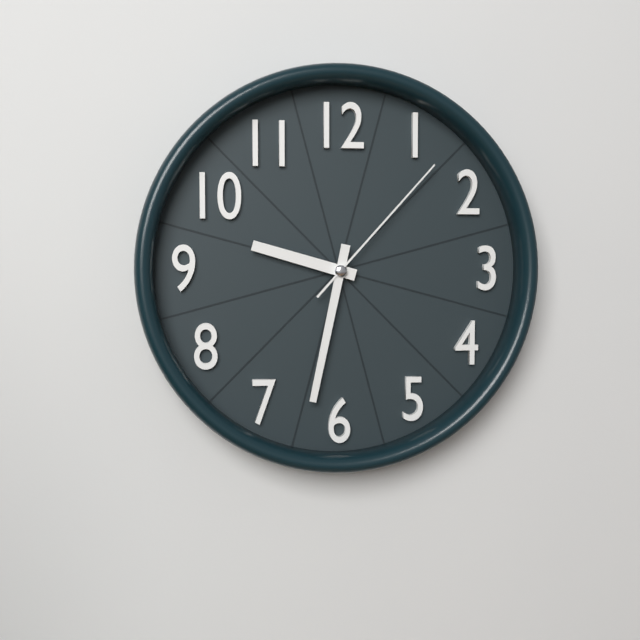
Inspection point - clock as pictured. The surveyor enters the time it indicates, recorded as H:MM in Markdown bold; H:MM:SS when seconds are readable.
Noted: **9:32:07**
